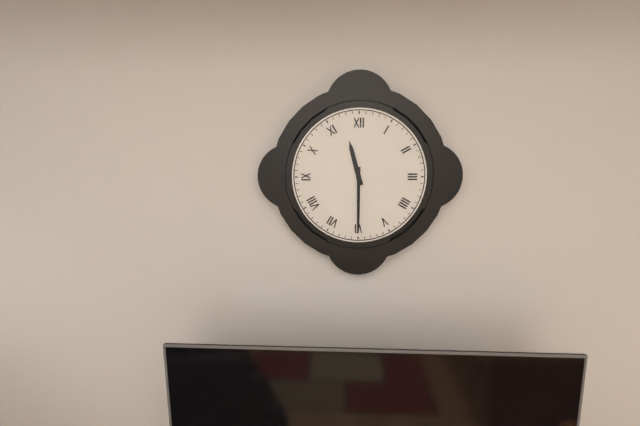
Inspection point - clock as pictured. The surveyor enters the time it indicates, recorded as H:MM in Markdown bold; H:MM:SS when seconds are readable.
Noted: **11:30**
